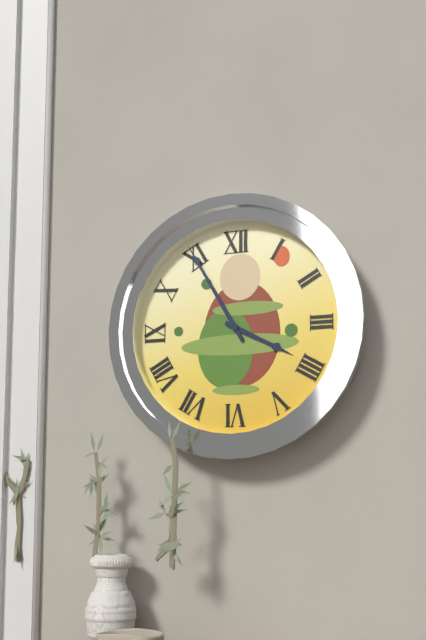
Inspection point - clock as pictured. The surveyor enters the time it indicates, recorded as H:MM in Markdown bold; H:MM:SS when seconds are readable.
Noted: **3:55**
